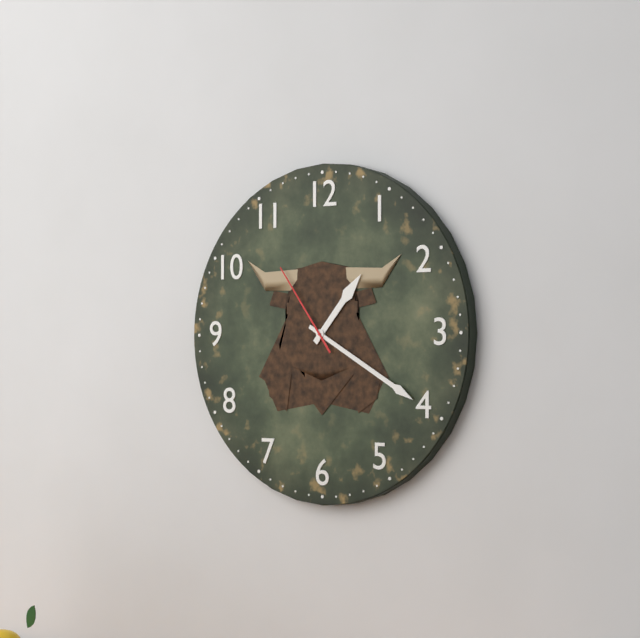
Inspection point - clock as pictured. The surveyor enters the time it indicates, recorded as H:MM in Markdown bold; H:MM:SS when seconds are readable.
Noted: **1:20:54**
